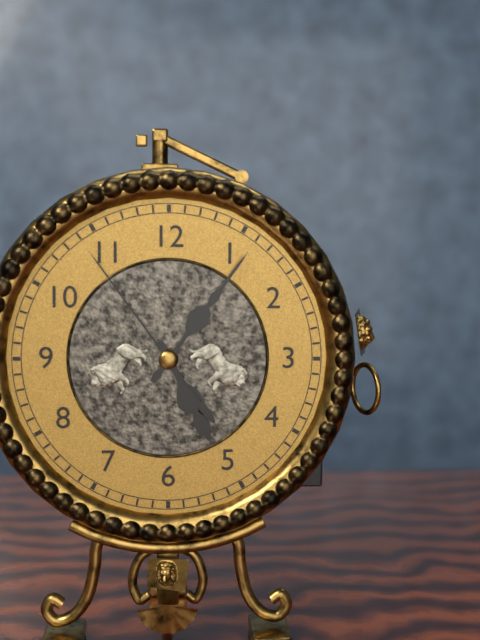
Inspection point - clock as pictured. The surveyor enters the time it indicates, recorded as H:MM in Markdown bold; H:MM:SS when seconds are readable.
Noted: **5:06:54**
